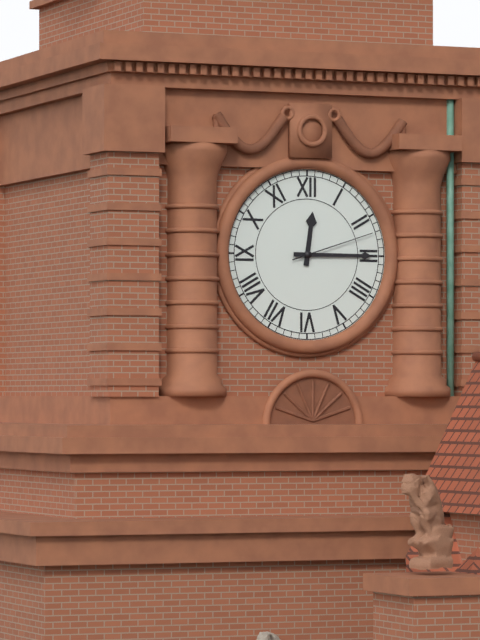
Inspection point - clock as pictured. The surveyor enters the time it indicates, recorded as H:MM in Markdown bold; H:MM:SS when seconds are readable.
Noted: **12:15:12**
